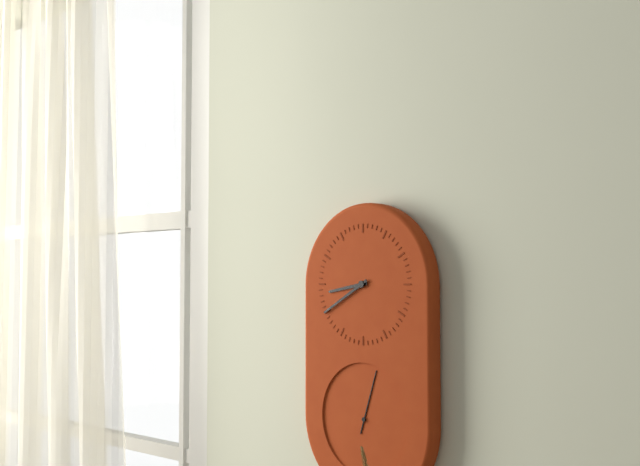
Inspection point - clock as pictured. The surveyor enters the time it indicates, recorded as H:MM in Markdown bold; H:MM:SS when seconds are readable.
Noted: **8:40:03**
